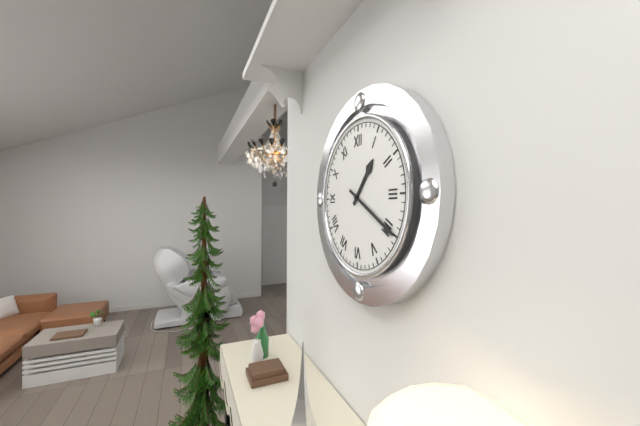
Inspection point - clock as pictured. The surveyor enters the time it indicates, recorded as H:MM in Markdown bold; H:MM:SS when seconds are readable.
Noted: **1:20**
